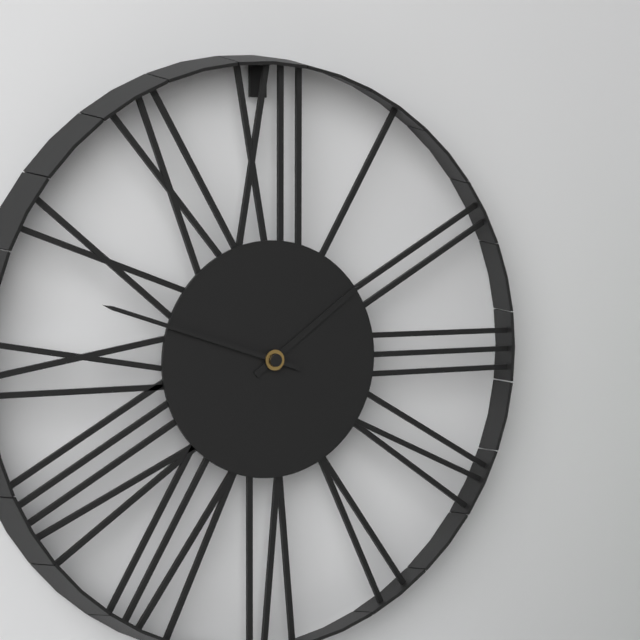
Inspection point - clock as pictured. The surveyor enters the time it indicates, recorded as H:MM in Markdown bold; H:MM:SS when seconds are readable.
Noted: **1:48**
